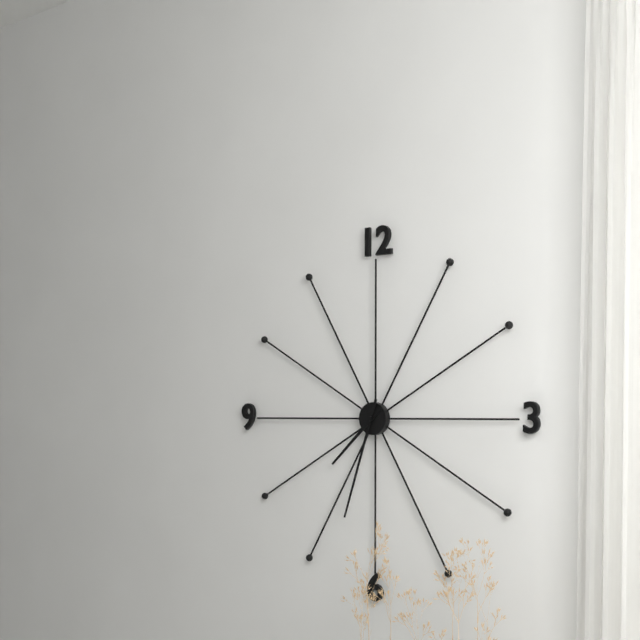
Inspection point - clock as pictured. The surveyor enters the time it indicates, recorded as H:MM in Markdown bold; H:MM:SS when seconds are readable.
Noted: **7:33**
